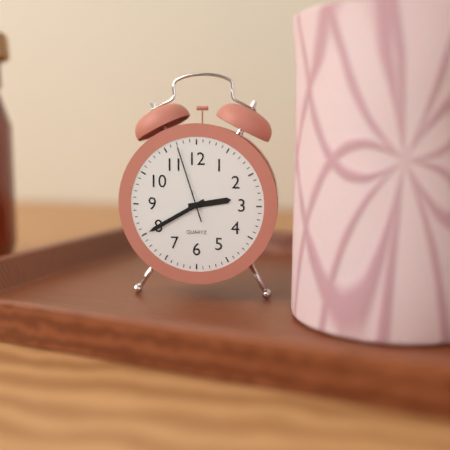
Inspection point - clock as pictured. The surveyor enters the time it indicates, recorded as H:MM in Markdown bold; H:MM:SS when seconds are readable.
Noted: **2:40:57**
